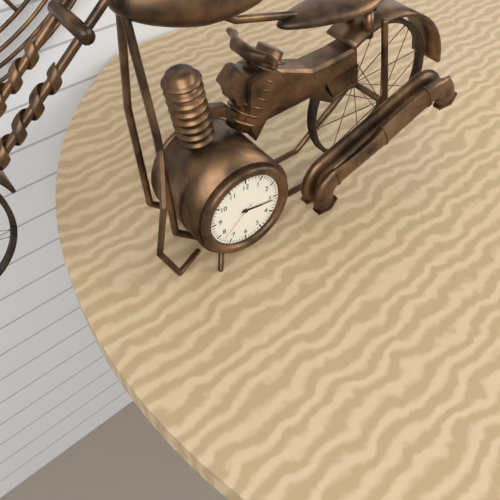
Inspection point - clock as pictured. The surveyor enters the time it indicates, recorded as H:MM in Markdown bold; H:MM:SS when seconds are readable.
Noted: **3:16**
